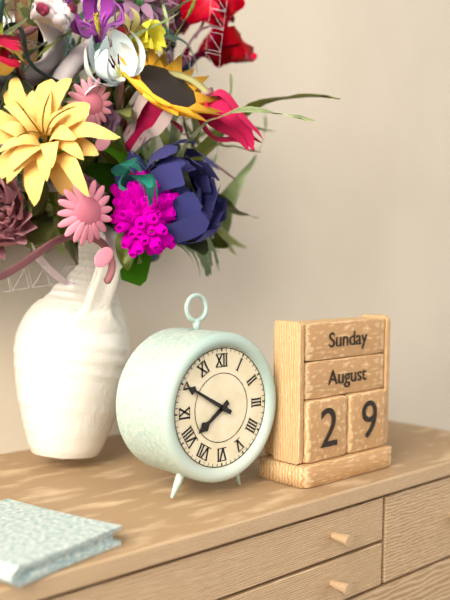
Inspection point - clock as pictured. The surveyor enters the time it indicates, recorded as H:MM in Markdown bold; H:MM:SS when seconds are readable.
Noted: **7:50**
